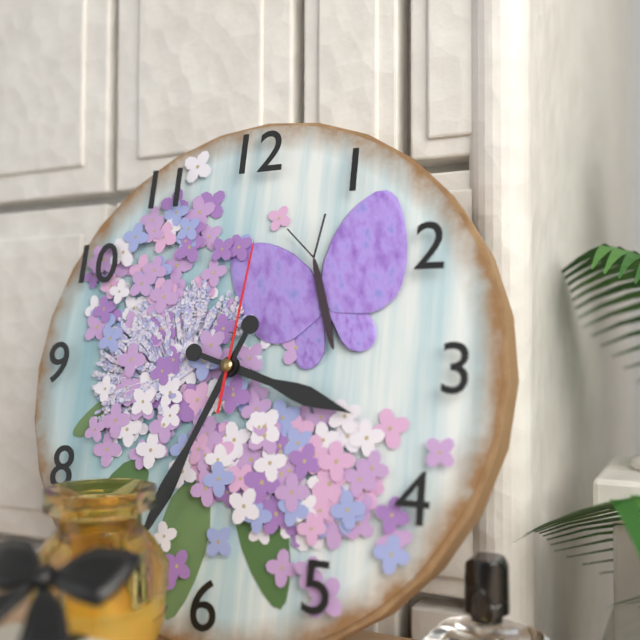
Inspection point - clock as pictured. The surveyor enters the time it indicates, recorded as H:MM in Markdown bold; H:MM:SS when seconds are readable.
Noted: **3:34:01**
